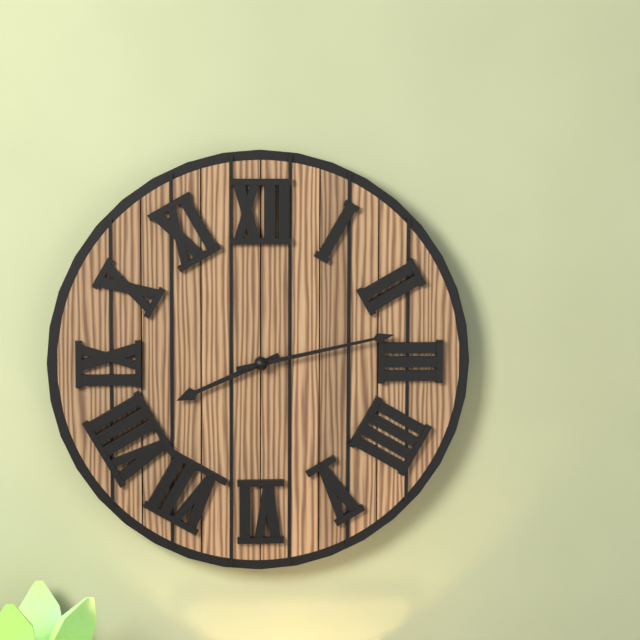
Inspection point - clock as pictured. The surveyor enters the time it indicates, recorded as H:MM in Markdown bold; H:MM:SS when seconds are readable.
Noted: **8:13**
